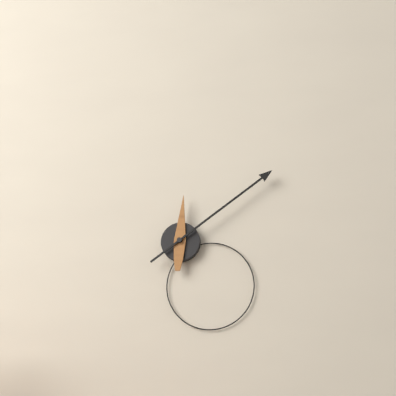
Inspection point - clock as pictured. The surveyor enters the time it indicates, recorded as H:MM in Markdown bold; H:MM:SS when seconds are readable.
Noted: **12:09**
